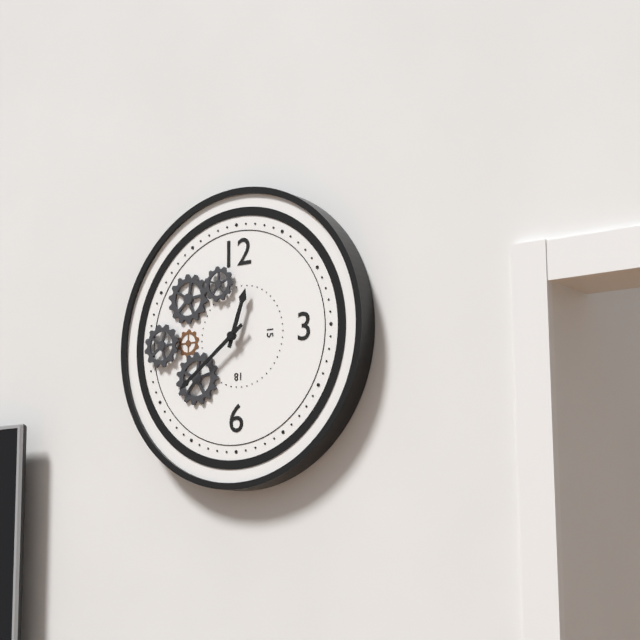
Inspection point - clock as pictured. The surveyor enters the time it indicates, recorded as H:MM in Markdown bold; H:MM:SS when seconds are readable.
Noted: **12:39**
